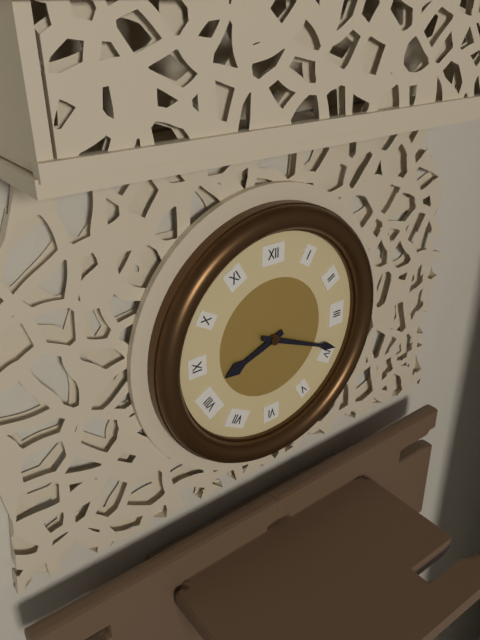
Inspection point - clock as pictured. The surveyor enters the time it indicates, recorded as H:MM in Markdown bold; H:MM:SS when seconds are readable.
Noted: **8:19**
